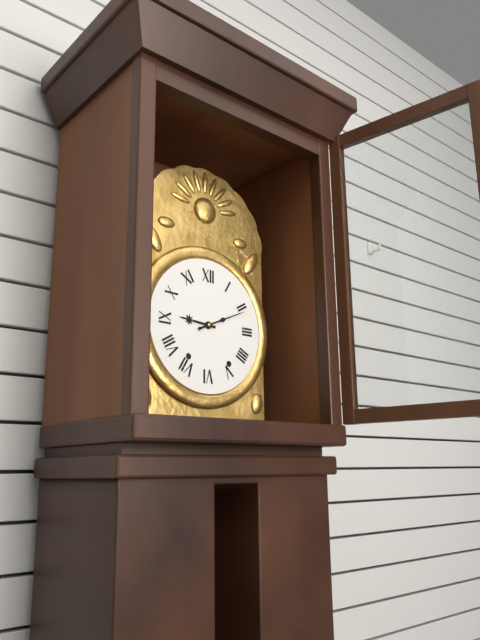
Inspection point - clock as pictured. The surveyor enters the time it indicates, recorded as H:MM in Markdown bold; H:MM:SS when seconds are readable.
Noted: **9:11**
